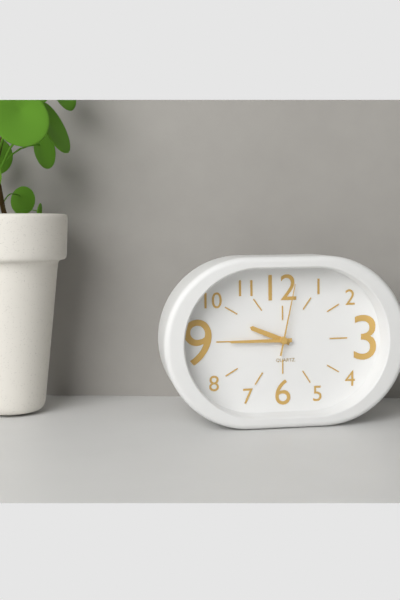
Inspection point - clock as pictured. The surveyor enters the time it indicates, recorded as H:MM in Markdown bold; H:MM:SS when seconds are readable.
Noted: **9:45:02**
